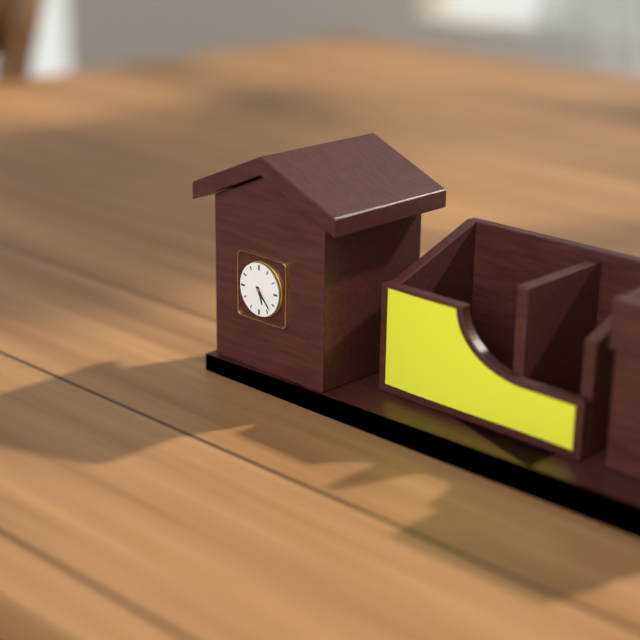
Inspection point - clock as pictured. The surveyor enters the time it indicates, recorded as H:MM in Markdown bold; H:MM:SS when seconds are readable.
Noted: **5:23**
